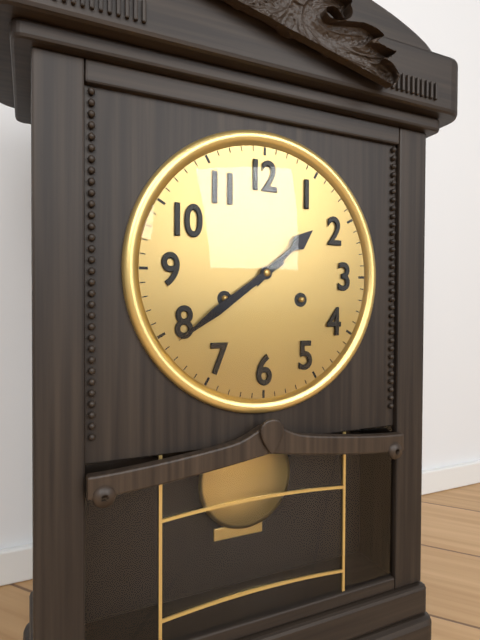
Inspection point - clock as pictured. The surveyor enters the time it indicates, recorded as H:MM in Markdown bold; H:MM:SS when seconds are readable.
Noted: **1:39**
